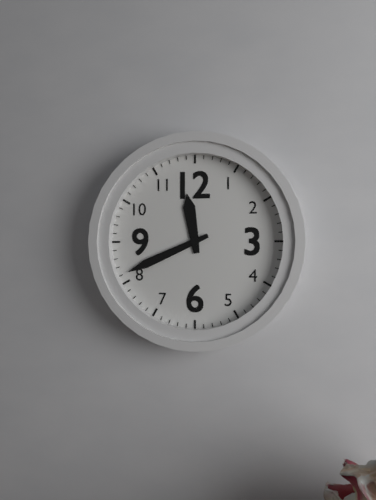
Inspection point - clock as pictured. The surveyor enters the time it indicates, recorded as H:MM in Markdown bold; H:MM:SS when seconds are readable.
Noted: **11:41**
